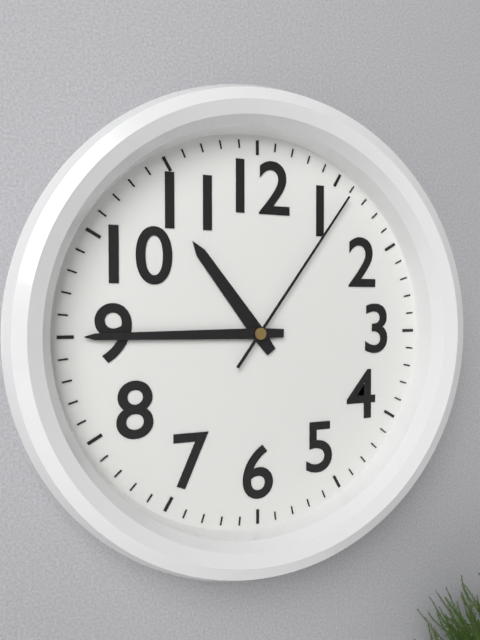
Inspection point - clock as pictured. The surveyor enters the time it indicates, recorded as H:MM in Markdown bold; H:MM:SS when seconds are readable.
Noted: **10:45:06**
